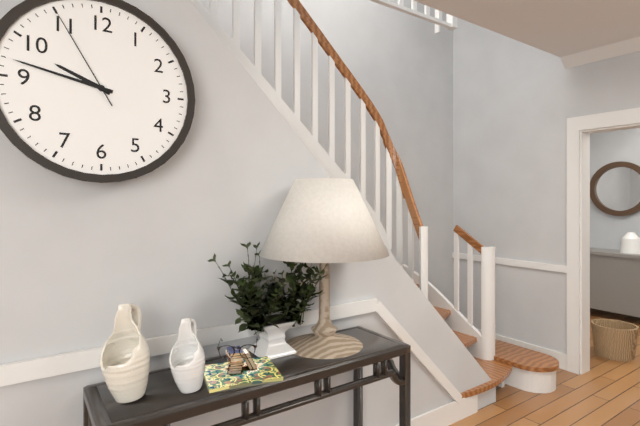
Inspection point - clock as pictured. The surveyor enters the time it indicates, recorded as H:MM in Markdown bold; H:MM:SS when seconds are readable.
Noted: **9:47:55**
